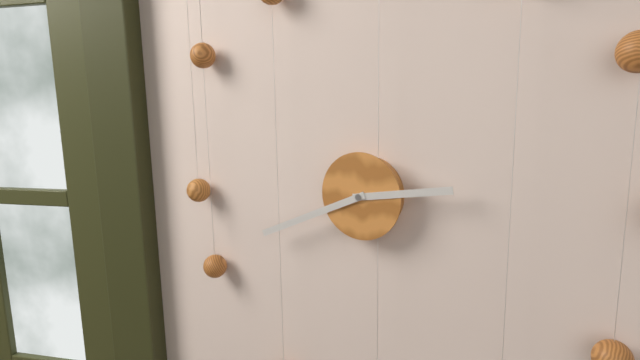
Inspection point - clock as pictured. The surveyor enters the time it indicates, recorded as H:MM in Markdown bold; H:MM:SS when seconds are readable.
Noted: **2:41**
